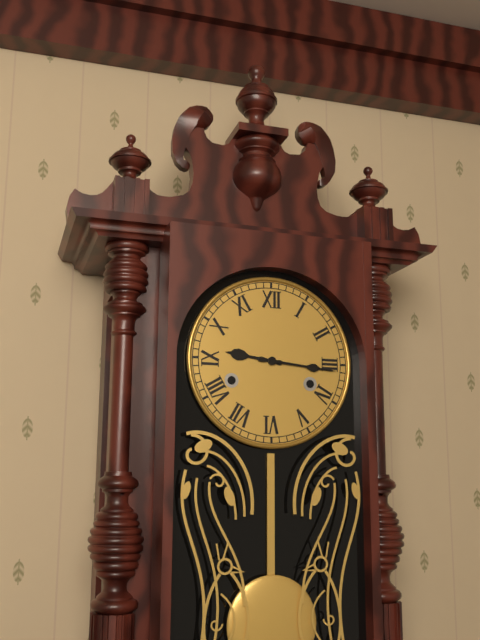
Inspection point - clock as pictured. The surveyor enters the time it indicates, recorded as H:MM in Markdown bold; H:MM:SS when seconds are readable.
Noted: **9:16**
